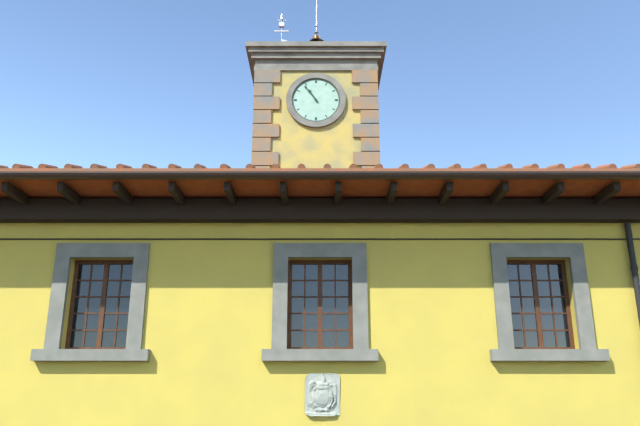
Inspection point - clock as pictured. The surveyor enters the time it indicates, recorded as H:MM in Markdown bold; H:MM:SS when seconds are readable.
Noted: **10:54**
